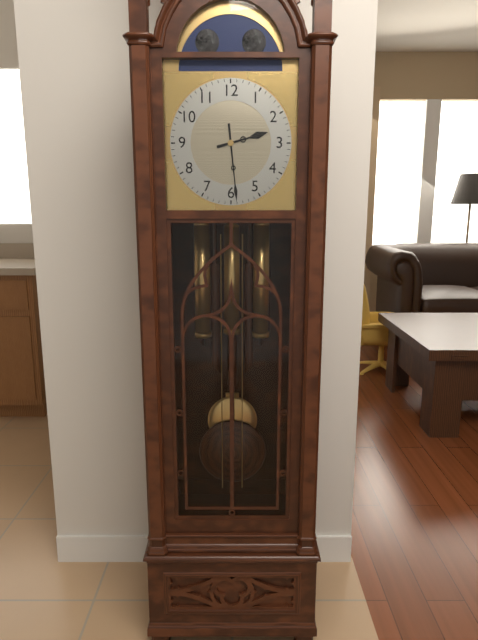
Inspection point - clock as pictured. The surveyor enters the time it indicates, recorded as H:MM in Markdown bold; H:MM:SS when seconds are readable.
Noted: **2:29**
